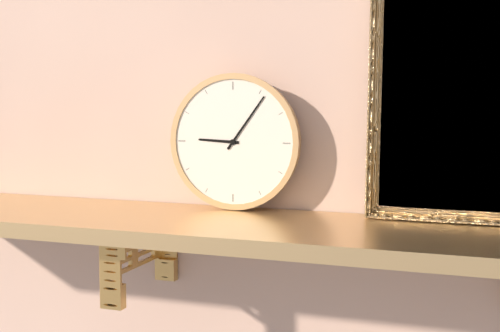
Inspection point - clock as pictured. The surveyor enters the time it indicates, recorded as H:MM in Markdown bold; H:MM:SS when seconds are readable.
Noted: **9:06**
